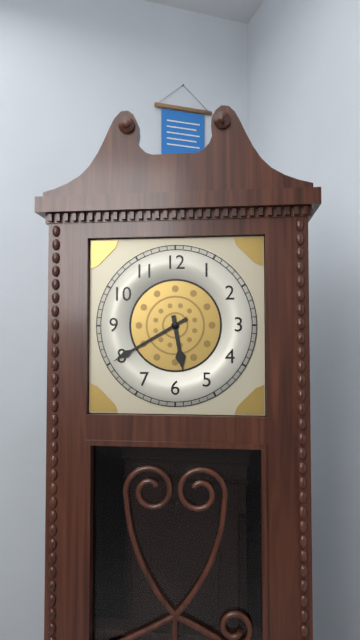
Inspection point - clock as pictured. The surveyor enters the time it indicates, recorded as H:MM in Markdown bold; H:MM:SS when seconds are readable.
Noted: **5:40**
